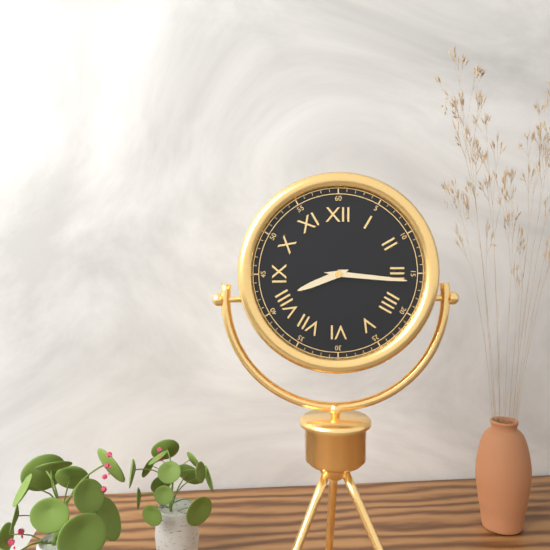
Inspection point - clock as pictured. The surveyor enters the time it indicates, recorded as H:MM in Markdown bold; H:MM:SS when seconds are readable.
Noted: **8:16**
